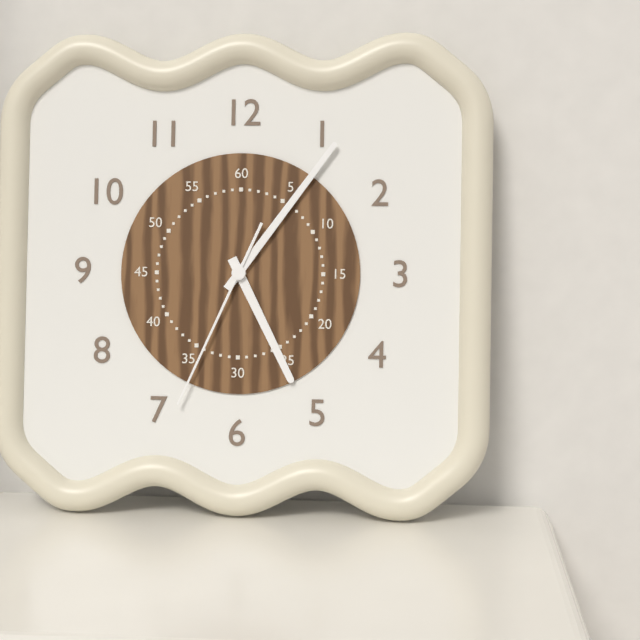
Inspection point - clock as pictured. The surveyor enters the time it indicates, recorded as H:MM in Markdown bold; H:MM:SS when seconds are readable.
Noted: **5:06:34**
